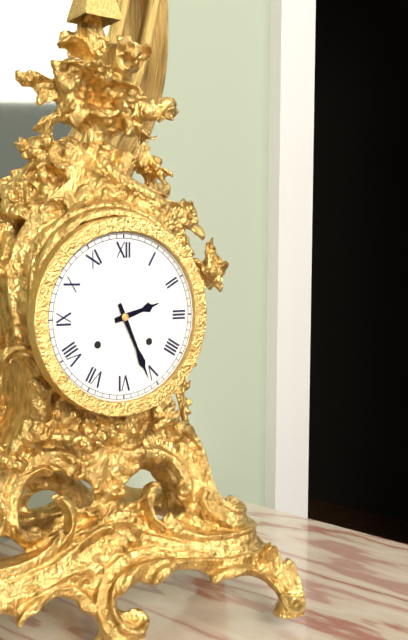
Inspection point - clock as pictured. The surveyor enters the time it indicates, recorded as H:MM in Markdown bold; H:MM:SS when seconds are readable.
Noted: **2:26**
